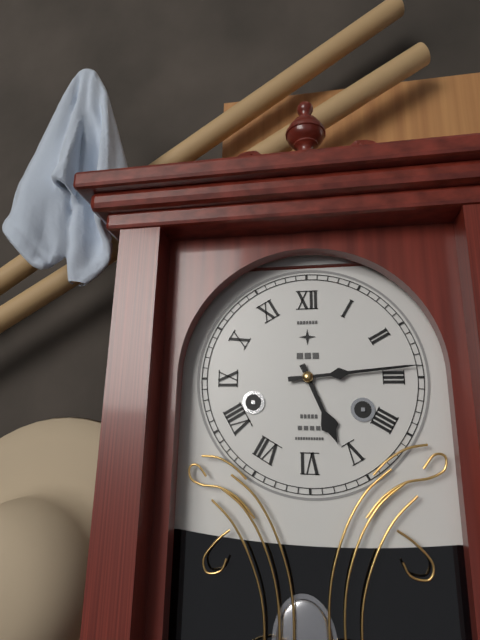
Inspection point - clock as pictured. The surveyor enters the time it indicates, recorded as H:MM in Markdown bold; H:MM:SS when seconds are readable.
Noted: **5:14**
